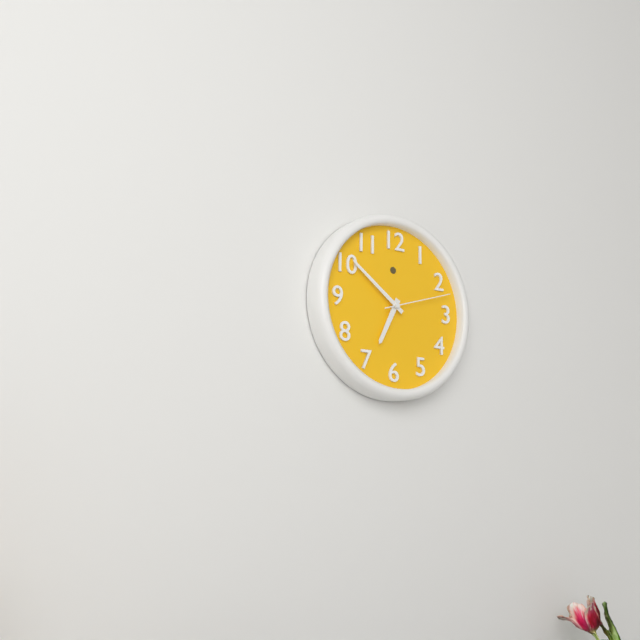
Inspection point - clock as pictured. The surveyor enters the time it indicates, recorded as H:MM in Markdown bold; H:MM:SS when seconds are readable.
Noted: **6:51:12**
